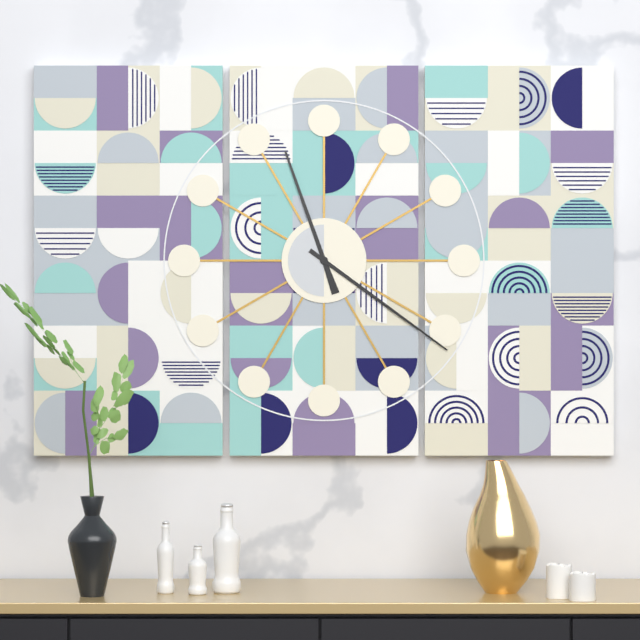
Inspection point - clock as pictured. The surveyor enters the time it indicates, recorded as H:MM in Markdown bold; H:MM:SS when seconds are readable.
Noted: **11:21**
